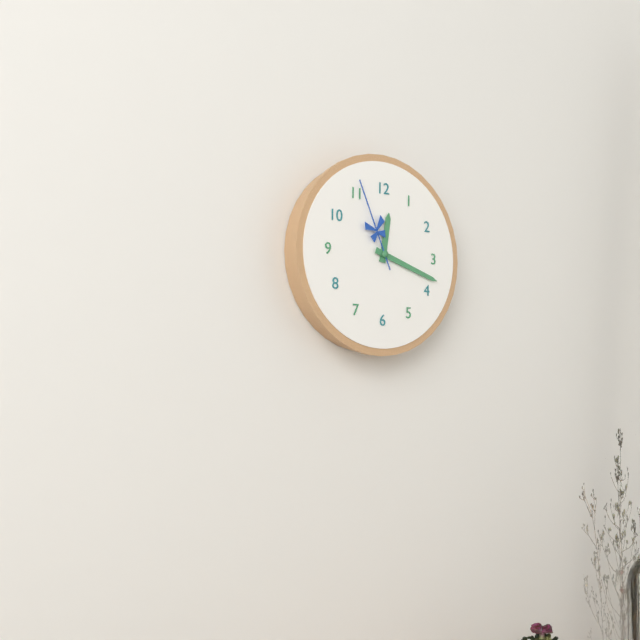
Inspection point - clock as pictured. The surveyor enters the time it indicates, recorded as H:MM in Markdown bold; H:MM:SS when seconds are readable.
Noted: **12:18:56**
